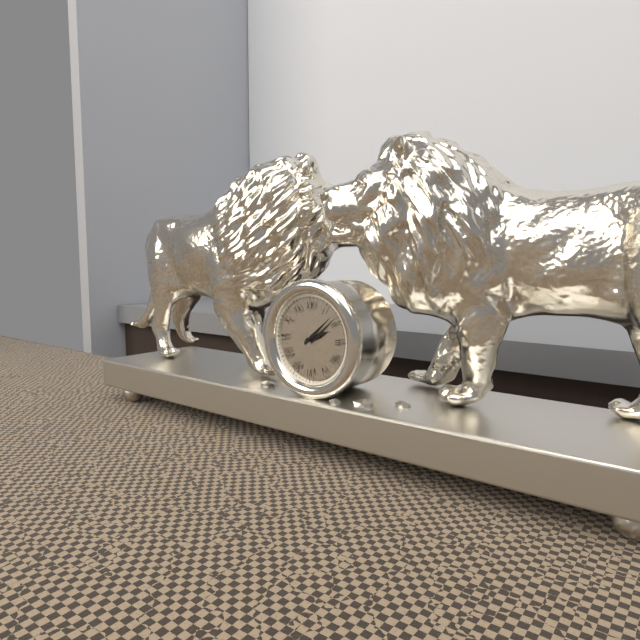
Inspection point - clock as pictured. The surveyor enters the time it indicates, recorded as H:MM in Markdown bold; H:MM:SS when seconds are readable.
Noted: **2:08**
